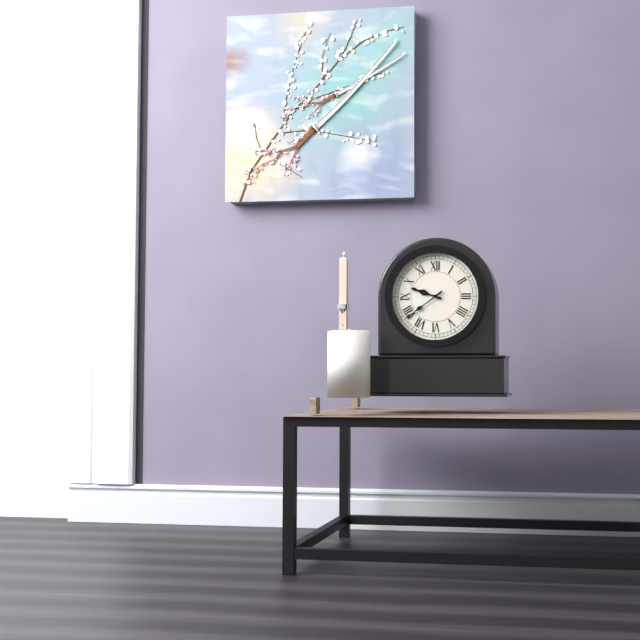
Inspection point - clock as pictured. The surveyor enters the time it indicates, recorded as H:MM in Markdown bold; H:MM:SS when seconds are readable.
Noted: **9:39**
